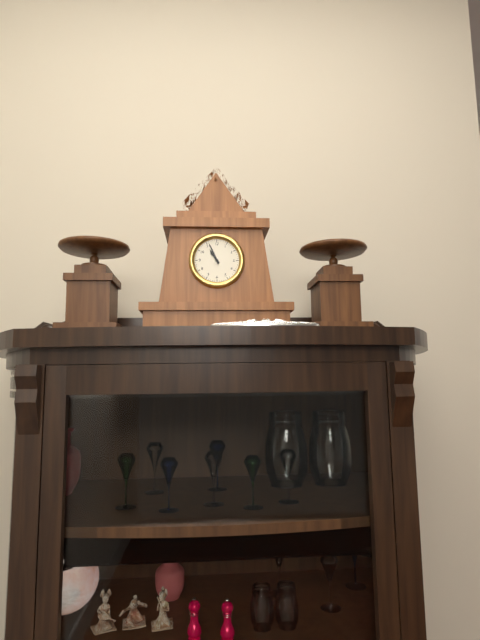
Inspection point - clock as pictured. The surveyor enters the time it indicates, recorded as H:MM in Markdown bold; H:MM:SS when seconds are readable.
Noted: **10:56**
